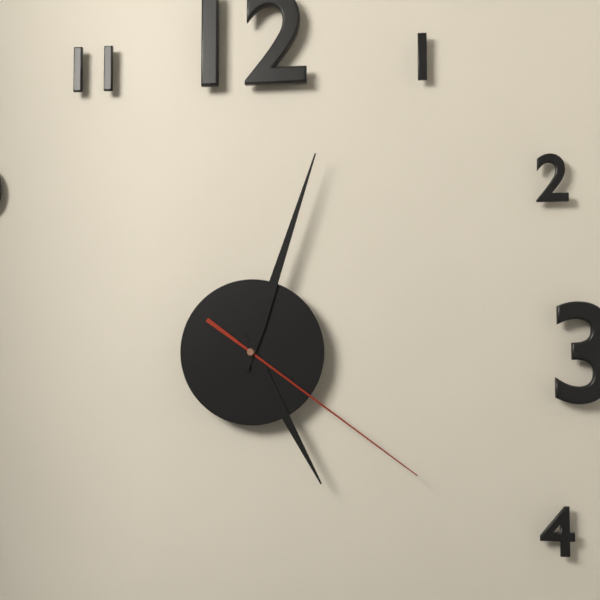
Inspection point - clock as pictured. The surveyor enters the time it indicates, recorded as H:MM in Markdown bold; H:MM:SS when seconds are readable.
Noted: **5:03:21**
